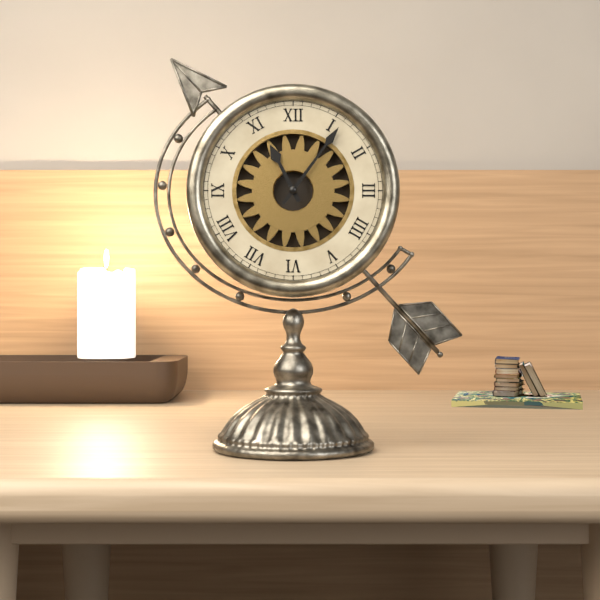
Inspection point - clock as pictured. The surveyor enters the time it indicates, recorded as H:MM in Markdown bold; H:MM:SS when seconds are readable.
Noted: **11:06**
